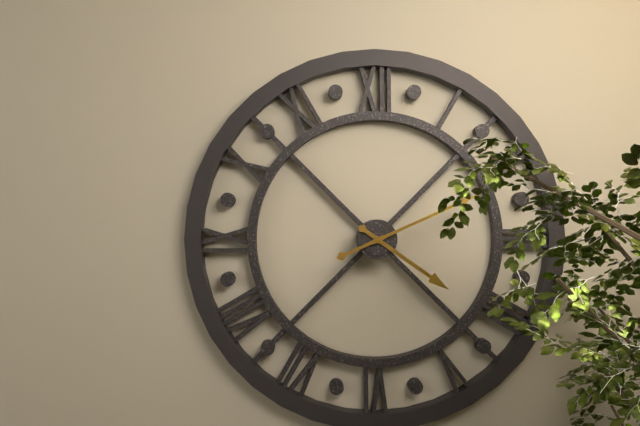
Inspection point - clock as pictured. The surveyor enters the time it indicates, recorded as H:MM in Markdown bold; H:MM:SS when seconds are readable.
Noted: **4:11**
